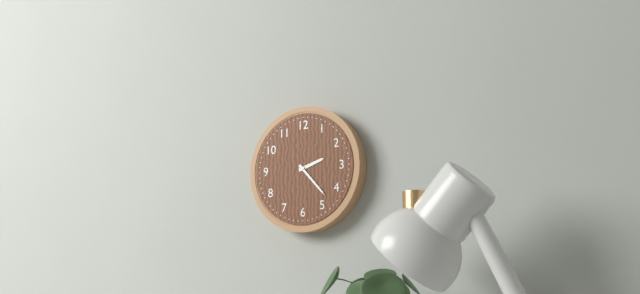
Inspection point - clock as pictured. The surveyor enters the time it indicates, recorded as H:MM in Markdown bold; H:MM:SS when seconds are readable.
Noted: **2:23**
